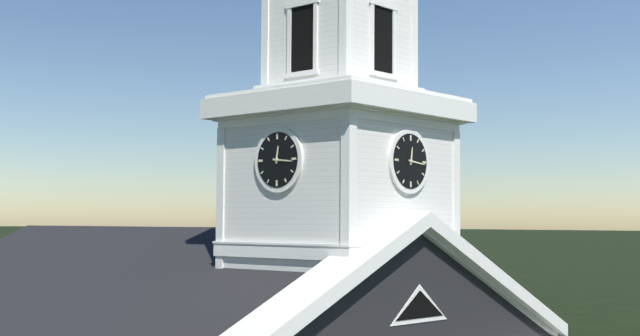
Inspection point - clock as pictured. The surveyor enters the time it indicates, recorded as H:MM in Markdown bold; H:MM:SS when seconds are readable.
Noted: **12:16**
